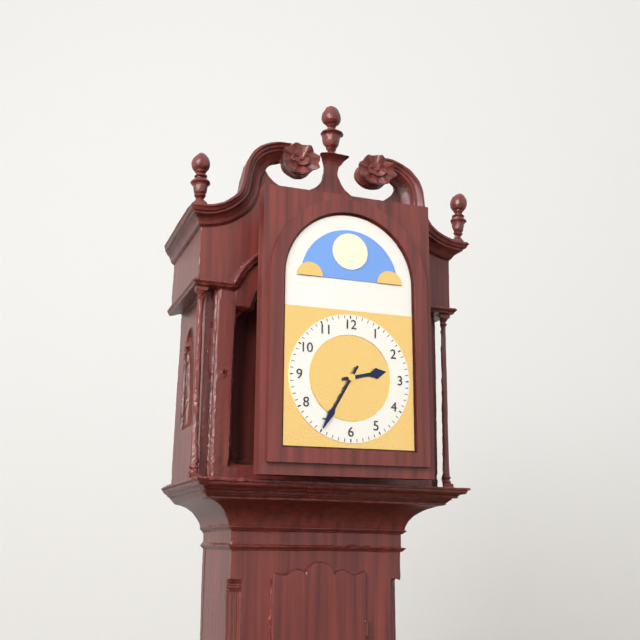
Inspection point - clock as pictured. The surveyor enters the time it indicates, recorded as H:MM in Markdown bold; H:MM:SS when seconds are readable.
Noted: **2:35**
